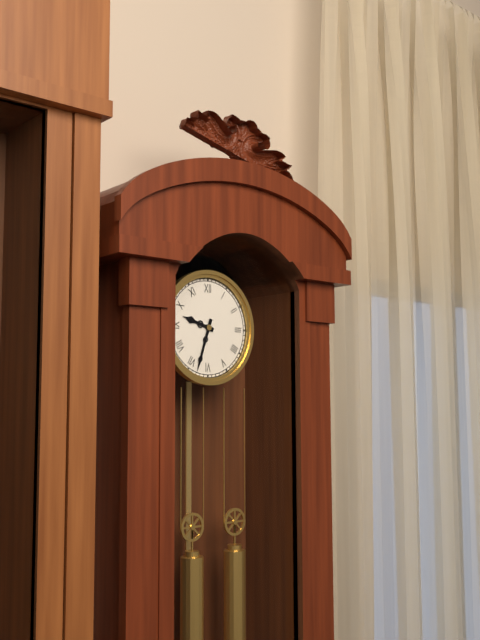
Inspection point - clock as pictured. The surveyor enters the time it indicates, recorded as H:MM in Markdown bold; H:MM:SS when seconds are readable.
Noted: **9:33**
